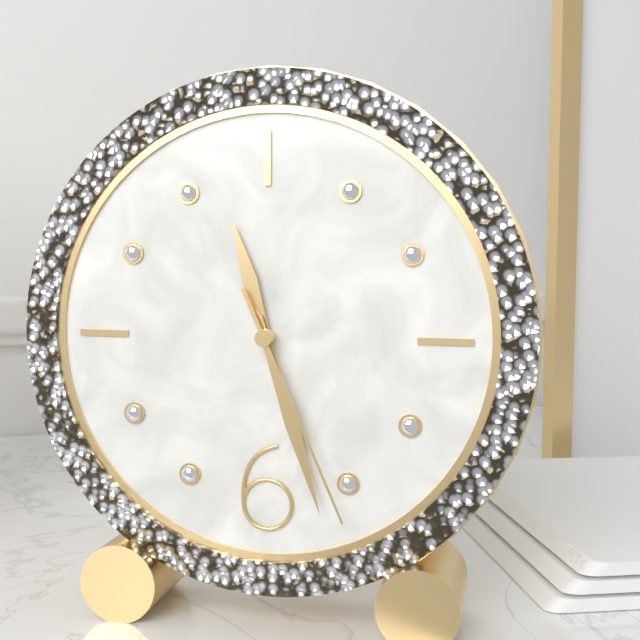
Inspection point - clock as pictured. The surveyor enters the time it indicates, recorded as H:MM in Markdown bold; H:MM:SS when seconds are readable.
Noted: **11:27:26**
